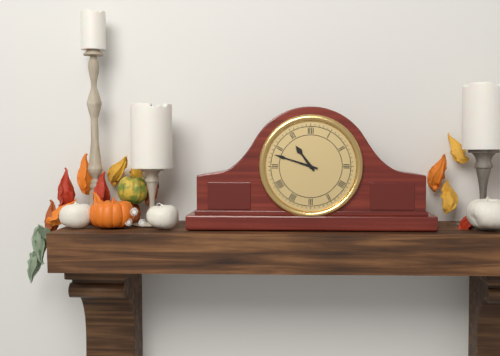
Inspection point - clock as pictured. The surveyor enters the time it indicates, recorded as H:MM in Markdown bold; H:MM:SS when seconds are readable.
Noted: **10:48**
